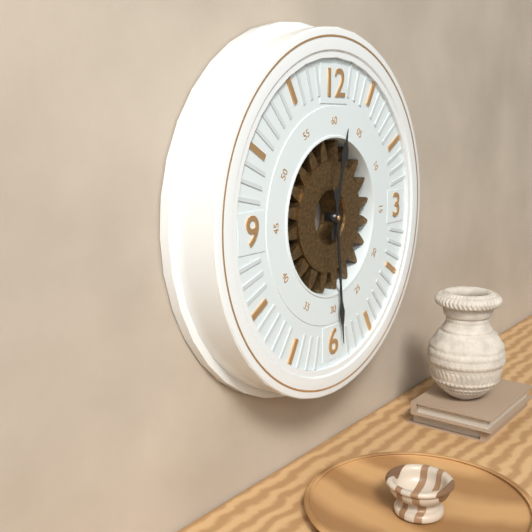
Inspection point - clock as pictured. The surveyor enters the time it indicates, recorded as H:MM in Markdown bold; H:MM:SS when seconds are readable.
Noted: **12:29**
